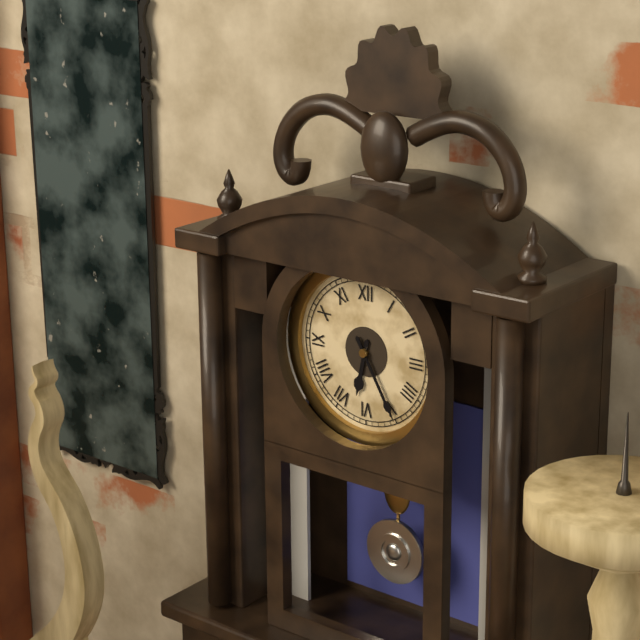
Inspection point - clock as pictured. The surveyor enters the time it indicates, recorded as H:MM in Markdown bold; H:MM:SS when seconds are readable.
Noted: **6:25**
